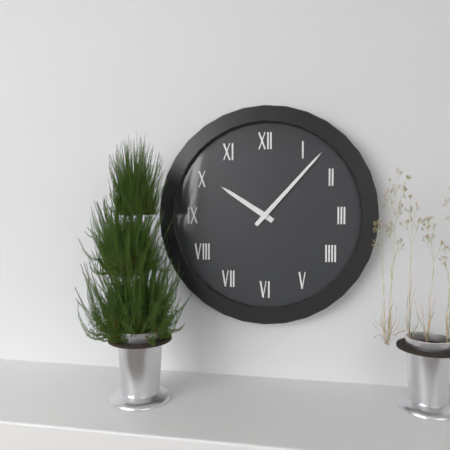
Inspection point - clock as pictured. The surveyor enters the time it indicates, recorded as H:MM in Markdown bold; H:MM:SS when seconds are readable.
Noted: **10:07**
